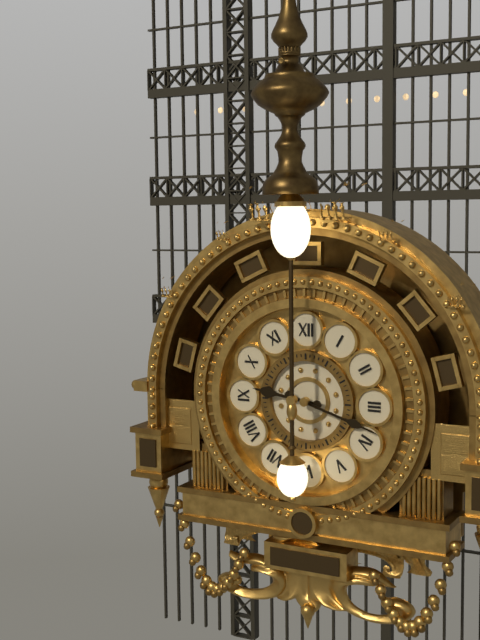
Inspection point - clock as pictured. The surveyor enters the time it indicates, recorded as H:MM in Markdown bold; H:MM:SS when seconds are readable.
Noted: **9:18**
